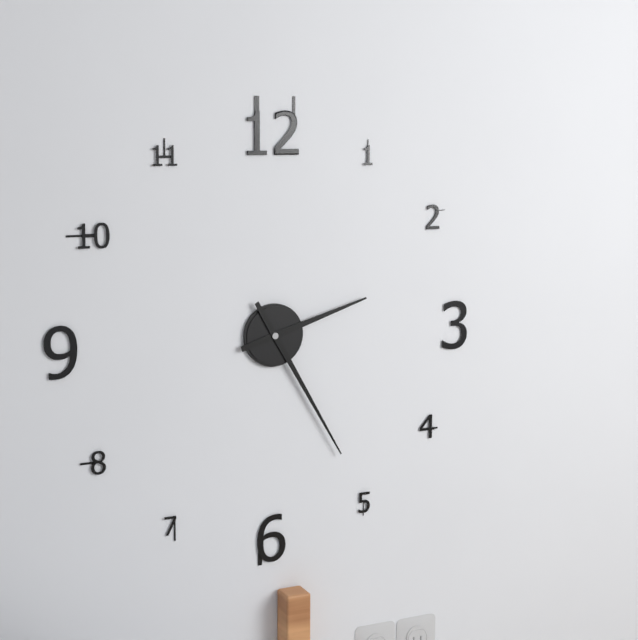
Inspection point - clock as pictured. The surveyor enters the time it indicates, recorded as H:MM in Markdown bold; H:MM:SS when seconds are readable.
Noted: **2:25**
